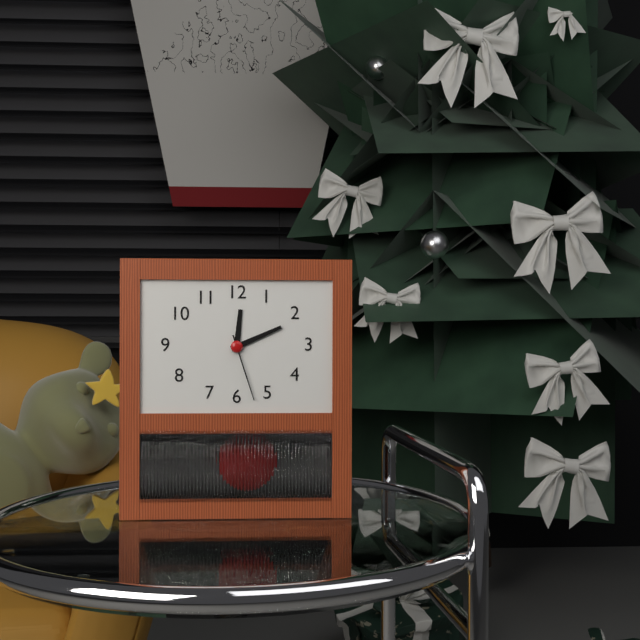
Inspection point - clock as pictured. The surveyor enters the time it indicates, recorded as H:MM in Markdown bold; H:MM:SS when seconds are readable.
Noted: **12:11:27**
